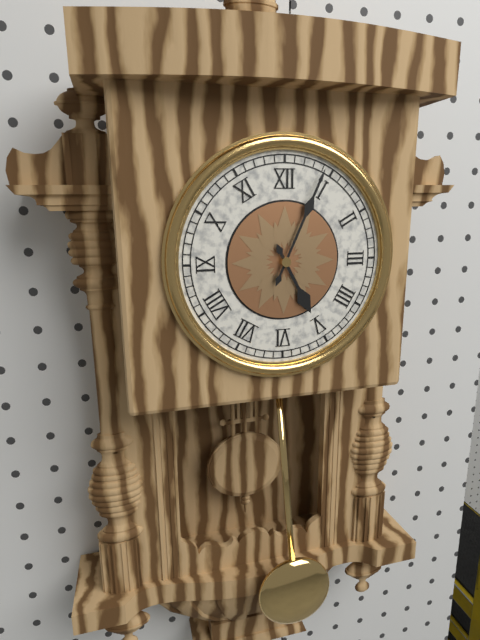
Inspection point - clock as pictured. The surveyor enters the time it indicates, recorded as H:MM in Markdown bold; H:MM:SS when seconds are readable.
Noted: **5:04**
